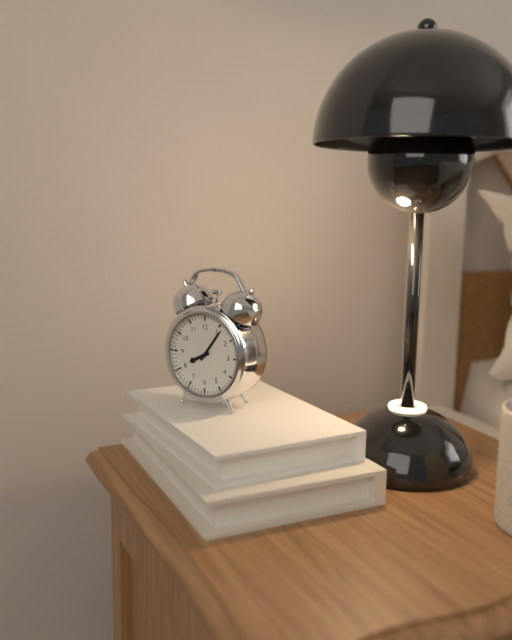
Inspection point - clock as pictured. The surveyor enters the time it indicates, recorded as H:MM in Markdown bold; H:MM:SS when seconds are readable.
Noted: **8:06**
